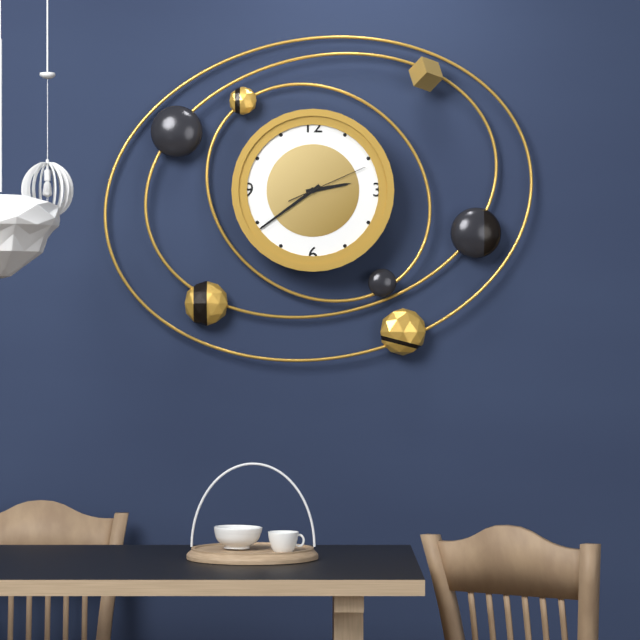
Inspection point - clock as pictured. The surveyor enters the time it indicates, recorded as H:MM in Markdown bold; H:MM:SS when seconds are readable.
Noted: **2:39:11**
